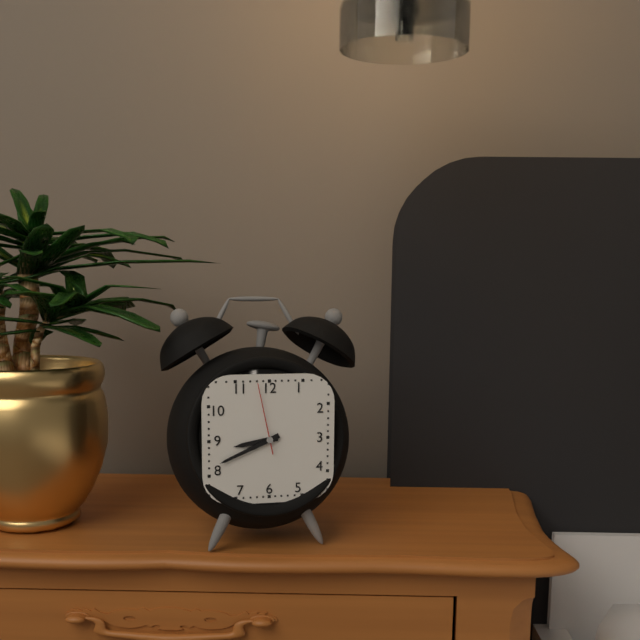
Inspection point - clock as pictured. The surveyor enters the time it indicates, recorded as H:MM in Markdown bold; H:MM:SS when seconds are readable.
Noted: **8:41:58**
